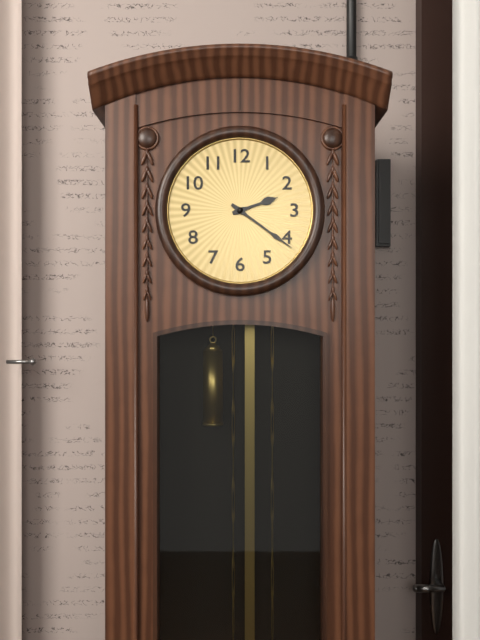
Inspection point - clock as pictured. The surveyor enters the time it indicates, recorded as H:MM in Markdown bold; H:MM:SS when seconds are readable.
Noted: **2:21**
